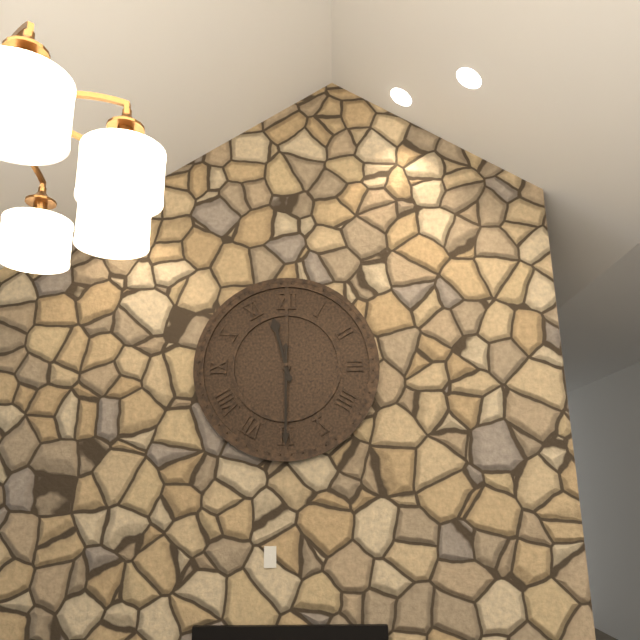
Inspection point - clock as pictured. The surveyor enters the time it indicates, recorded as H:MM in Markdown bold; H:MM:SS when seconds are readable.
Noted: **11:30**
